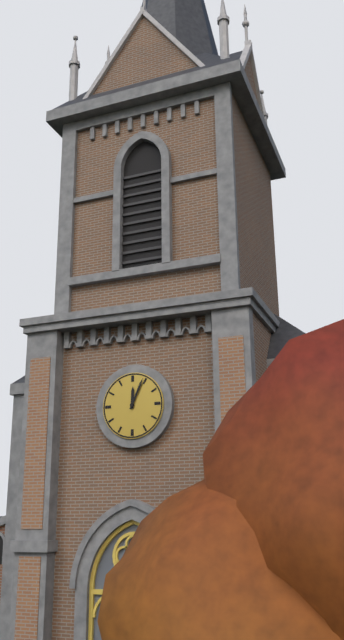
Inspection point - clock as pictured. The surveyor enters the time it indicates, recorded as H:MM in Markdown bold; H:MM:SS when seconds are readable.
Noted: **12:04**
